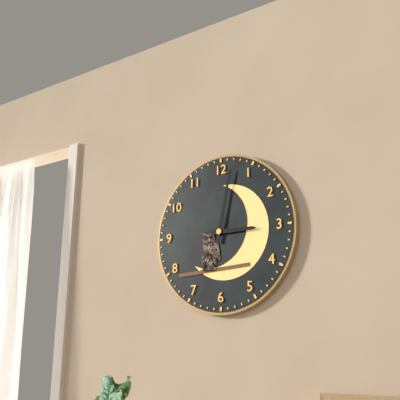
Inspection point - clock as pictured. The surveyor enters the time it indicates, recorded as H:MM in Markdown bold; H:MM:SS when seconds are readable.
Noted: **3:02**
